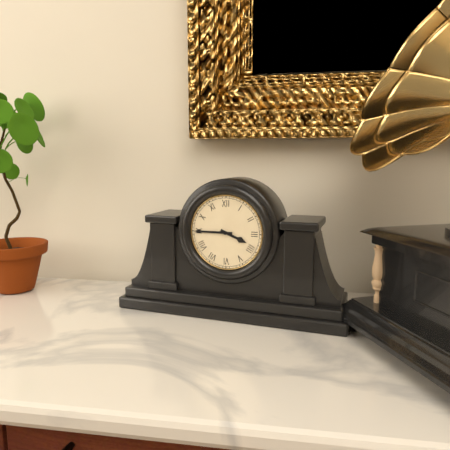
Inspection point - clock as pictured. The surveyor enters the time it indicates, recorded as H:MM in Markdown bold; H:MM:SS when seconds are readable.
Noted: **3:45**
